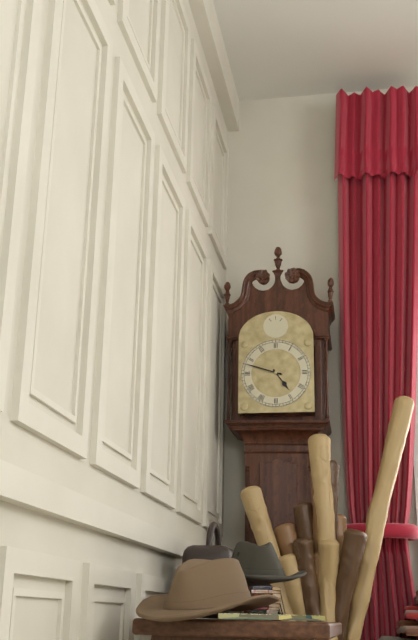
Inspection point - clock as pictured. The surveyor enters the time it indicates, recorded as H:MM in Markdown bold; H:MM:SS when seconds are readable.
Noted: **4:48**
